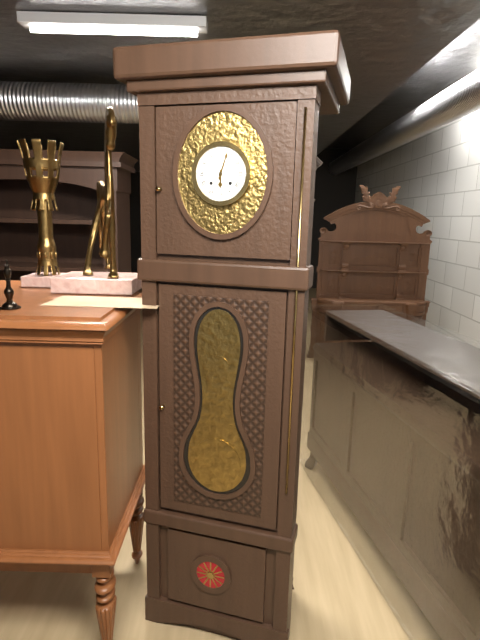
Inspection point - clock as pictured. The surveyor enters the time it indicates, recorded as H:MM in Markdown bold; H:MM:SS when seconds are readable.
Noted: **6:03**
